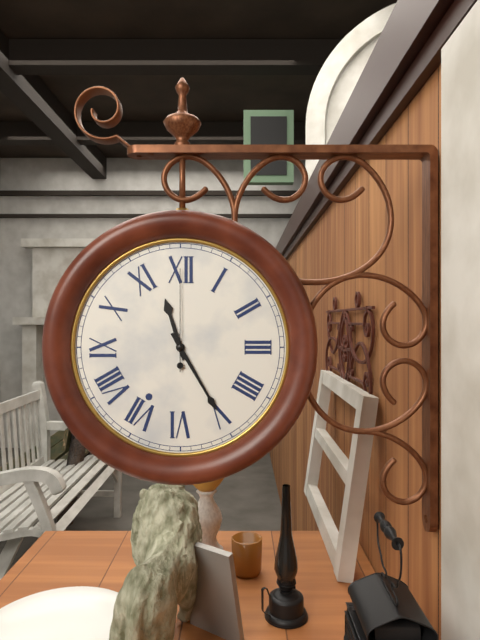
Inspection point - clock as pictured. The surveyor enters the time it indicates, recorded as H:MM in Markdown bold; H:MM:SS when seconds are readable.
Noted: **11:25:00**
